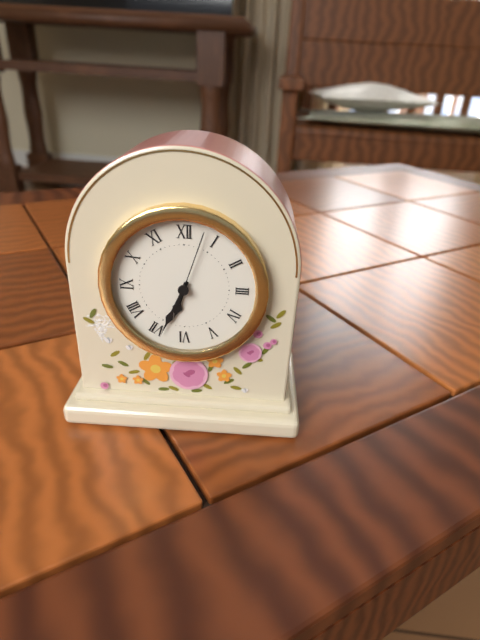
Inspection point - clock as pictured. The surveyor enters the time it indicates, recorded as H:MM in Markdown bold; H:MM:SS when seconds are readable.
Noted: **6:34:03**
